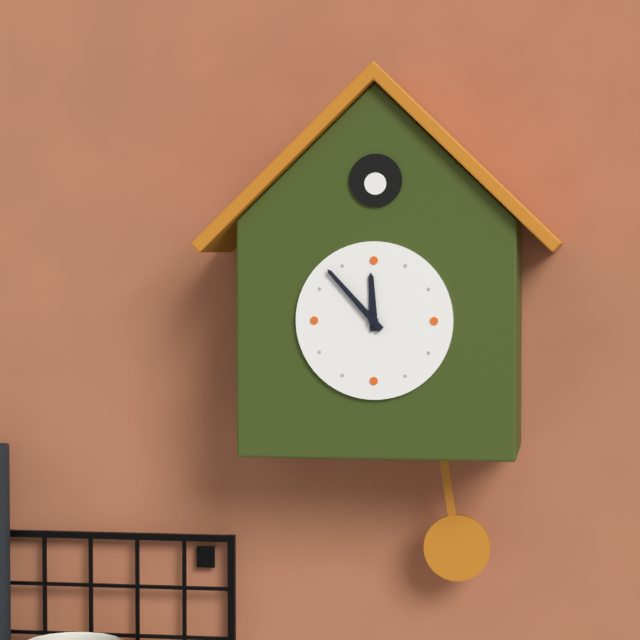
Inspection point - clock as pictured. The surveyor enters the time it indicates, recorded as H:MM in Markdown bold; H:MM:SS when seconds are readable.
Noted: **11:53**
